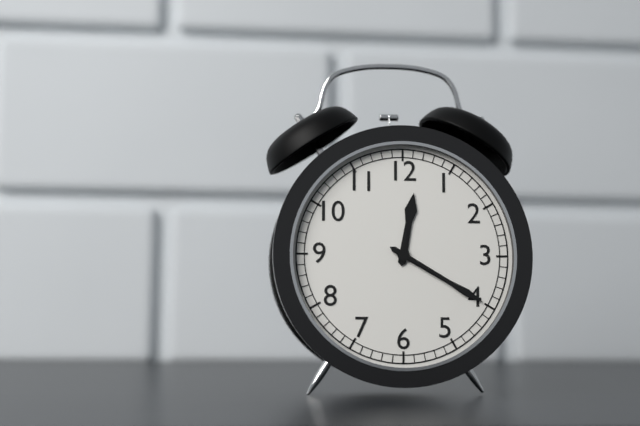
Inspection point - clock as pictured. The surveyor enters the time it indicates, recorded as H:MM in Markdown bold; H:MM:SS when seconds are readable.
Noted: **12:20**
